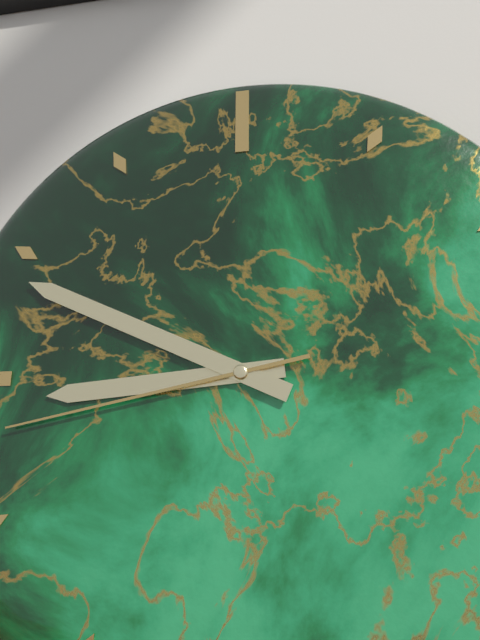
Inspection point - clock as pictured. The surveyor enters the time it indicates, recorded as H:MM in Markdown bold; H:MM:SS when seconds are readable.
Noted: **8:49:43**
